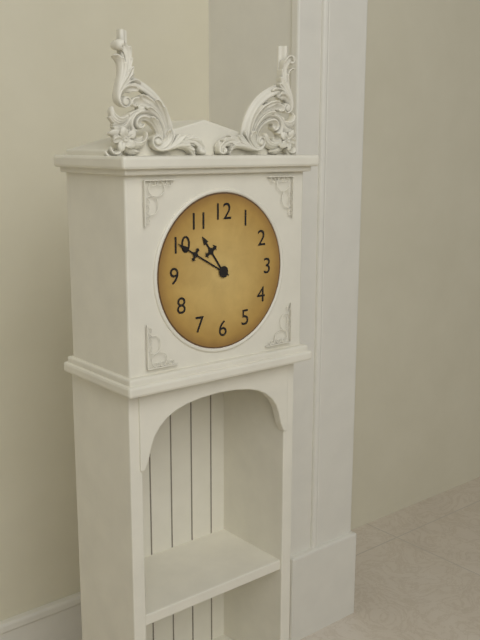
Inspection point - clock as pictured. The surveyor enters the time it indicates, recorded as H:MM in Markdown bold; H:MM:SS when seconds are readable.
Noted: **10:50**
